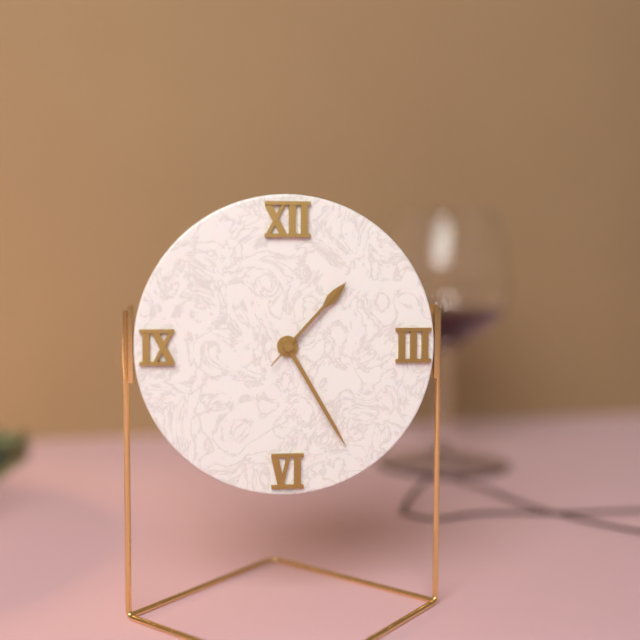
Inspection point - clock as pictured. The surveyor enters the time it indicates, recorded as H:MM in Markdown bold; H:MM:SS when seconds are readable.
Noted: **1:25:07**
